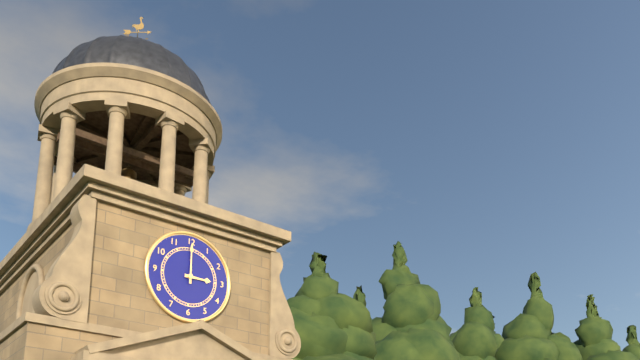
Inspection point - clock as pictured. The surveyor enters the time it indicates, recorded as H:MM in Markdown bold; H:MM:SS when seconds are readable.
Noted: **3:00**
